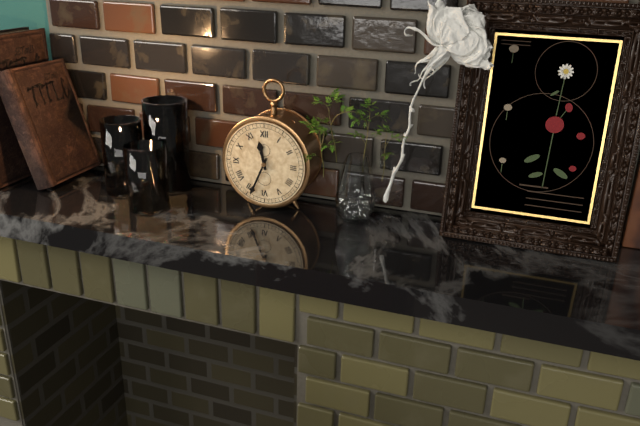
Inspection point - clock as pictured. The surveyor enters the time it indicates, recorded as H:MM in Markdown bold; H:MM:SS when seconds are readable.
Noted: **11:34**
